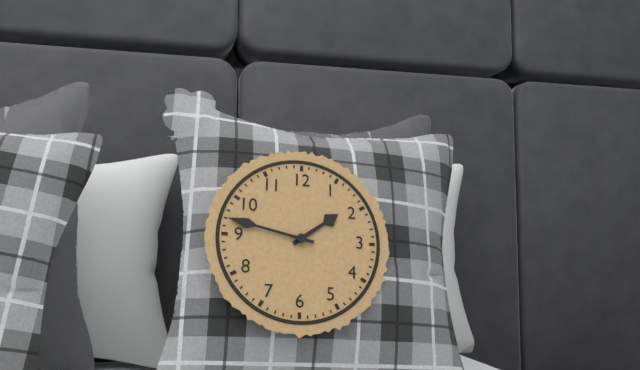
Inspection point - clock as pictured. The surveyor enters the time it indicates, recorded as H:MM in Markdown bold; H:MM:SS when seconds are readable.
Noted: **1:47**
